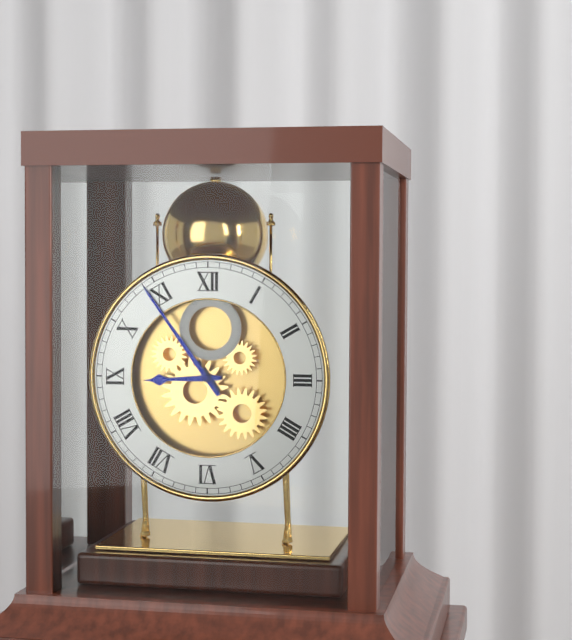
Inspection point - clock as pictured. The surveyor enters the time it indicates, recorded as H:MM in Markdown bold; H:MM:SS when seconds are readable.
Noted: **8:54**
